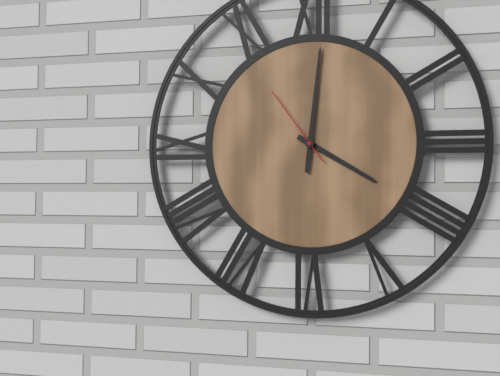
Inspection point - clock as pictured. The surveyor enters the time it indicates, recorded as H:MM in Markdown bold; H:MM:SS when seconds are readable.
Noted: **4:01:54**
